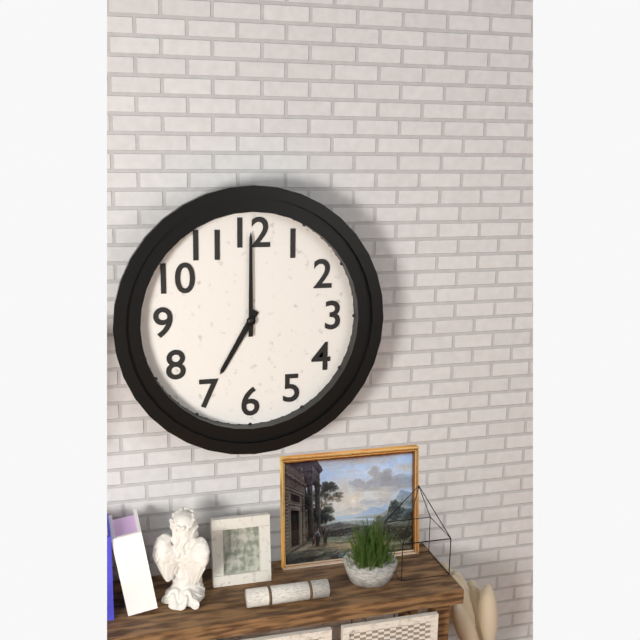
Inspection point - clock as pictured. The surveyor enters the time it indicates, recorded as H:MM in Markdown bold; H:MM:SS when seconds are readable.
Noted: **7:00**
